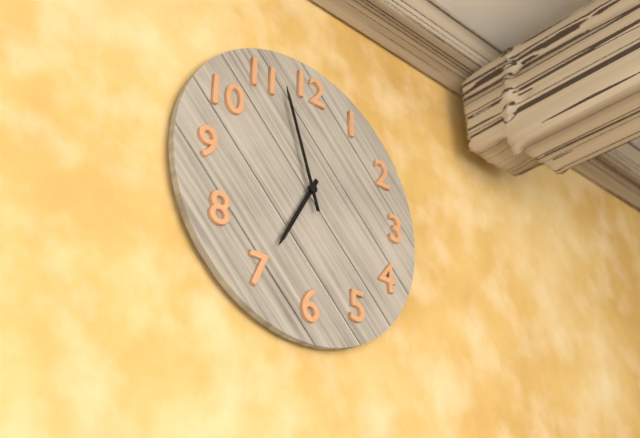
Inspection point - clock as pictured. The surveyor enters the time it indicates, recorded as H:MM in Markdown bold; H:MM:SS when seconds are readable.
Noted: **6:57**
